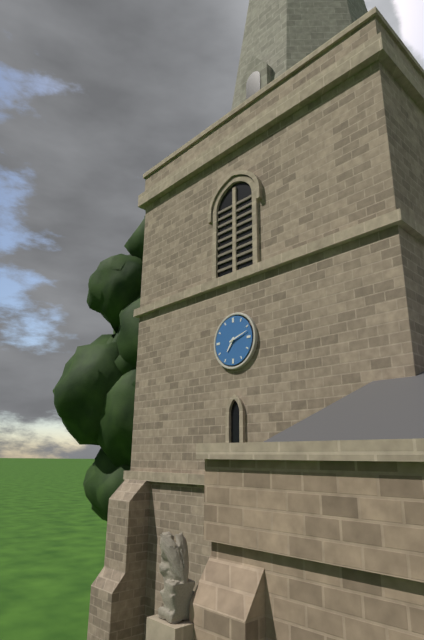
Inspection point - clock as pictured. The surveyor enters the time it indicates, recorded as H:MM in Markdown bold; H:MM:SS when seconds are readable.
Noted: **7:12**
